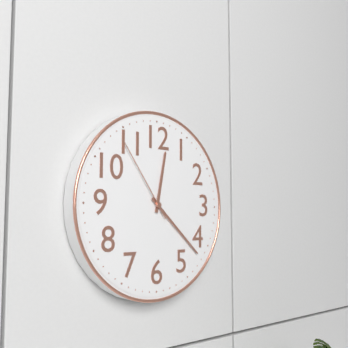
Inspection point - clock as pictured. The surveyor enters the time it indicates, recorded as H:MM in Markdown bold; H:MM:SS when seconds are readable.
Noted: **12:22:54**
